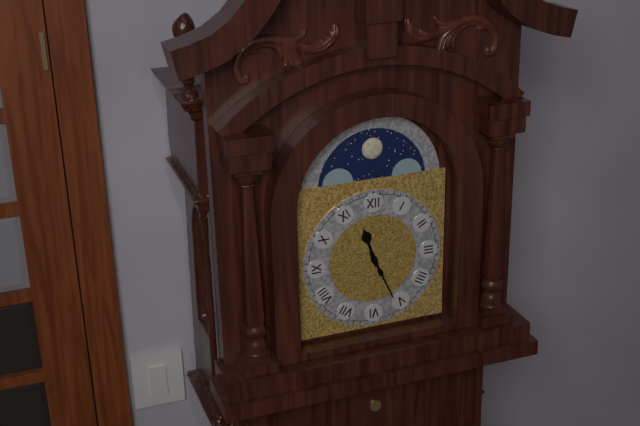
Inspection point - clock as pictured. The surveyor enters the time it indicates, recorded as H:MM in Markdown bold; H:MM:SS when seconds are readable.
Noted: **11:26**
